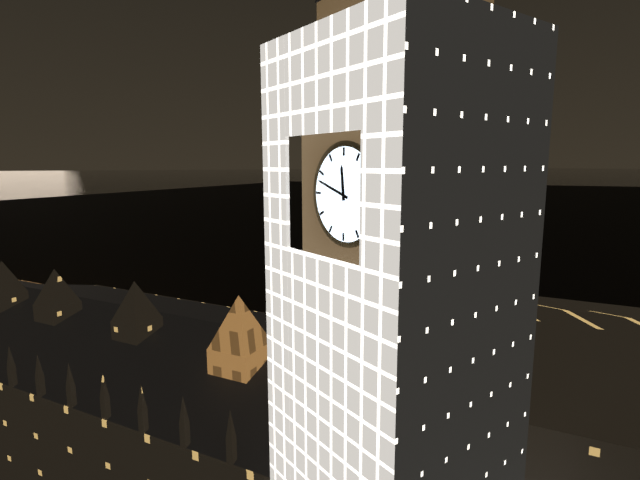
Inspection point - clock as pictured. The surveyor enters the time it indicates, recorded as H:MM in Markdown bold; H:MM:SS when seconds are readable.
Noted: **11:48**
